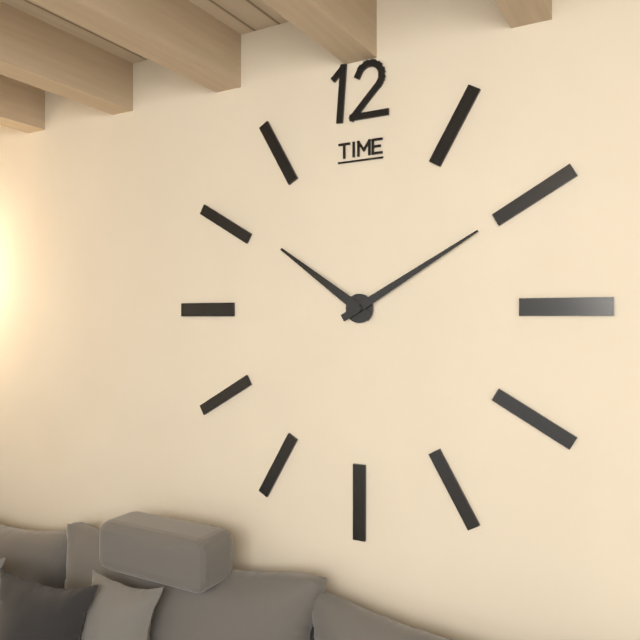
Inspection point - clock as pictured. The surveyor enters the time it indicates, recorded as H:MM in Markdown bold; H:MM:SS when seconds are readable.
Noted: **10:10**
